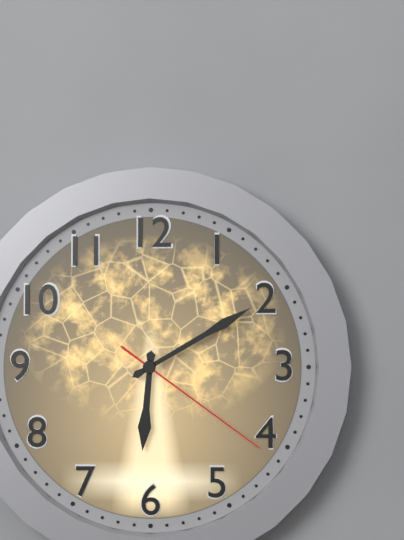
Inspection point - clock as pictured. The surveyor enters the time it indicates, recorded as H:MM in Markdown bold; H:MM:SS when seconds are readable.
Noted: **6:10:21**
